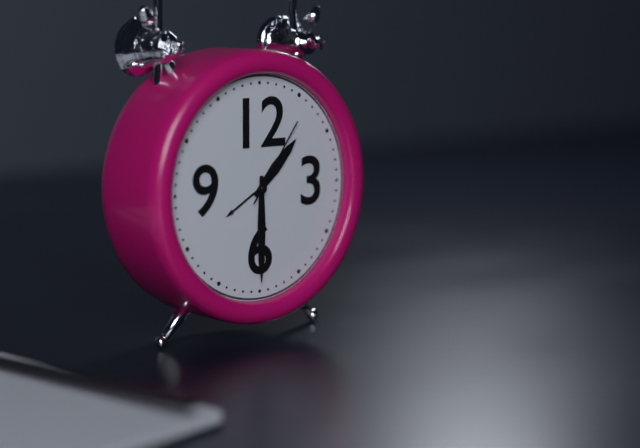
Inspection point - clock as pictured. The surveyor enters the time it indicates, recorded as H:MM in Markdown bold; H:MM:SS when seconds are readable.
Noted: **1:30:06**
